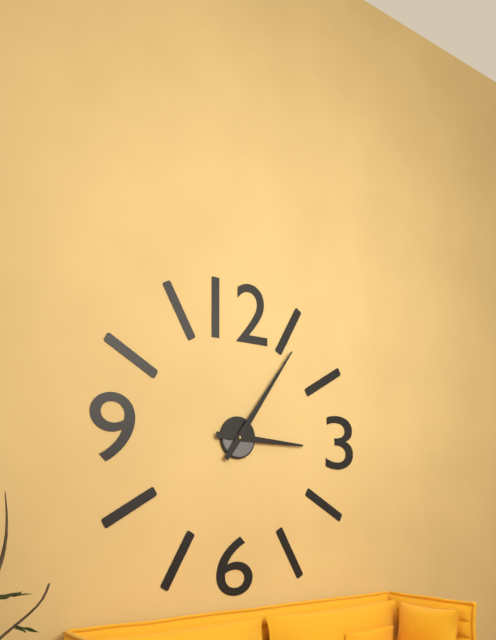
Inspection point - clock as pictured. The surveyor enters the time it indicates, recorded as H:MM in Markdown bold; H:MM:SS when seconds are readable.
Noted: **3:06**
